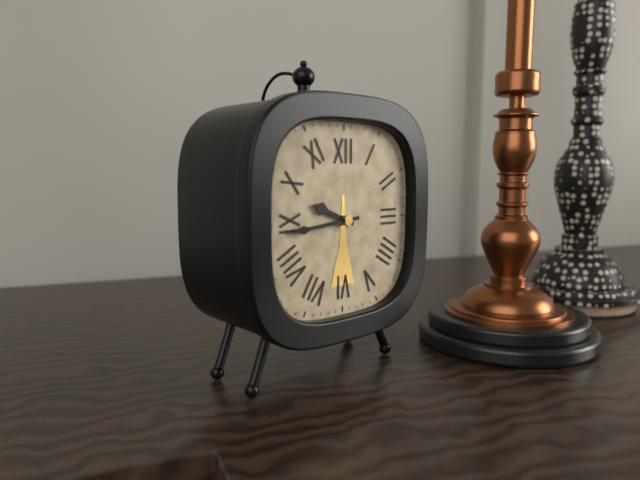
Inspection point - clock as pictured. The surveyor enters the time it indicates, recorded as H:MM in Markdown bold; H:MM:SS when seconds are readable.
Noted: **9:44**
